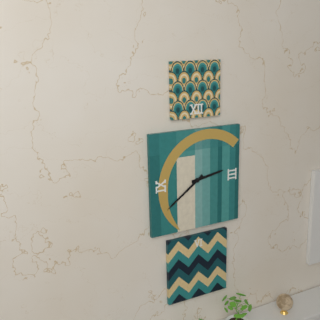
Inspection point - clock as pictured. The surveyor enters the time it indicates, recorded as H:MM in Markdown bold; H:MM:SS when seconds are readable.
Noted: **2:39**
